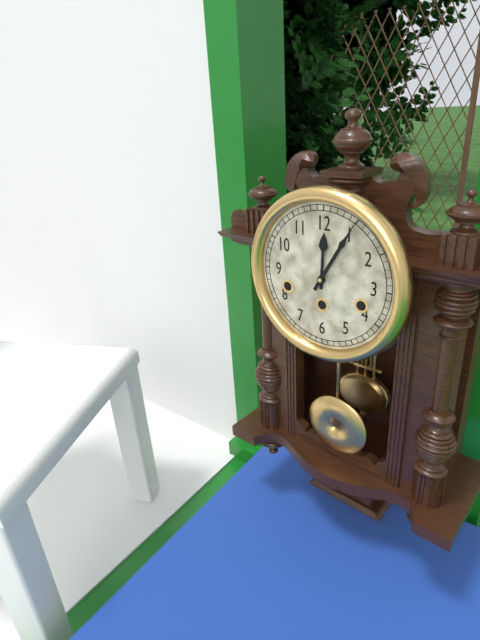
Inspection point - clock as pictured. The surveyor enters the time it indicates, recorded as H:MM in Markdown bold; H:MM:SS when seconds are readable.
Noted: **12:05**
